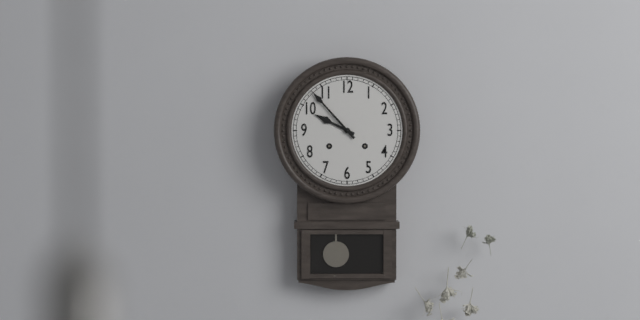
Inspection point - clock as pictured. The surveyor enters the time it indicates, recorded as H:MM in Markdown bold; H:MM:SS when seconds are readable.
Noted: **9:53**
